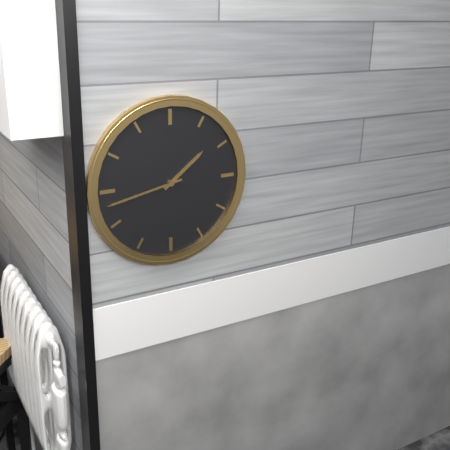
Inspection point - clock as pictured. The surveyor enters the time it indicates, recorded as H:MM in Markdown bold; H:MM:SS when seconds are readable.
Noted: **1:43**
